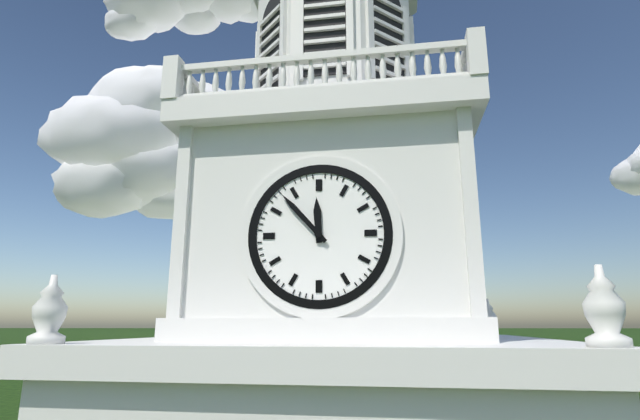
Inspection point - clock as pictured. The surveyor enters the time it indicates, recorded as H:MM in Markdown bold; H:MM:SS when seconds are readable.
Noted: **11:53**
